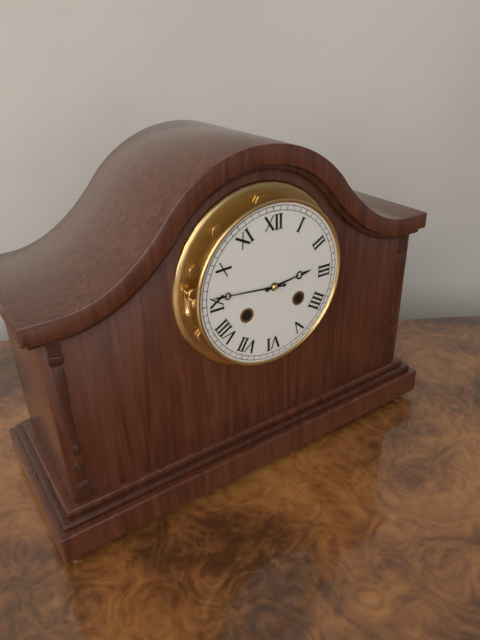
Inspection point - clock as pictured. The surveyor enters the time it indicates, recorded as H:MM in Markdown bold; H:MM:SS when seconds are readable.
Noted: **2:46**
